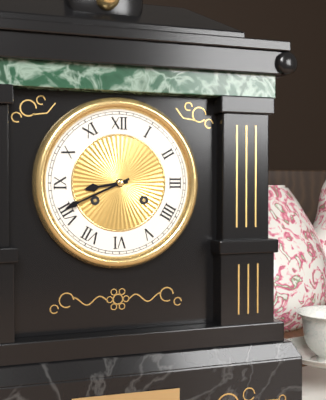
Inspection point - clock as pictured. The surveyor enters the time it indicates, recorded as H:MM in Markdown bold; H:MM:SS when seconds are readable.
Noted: **8:41**
